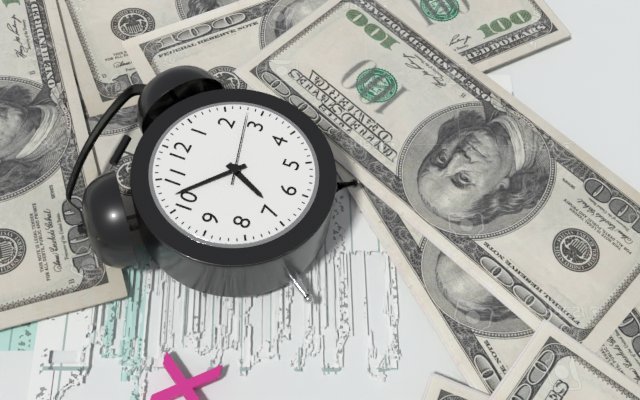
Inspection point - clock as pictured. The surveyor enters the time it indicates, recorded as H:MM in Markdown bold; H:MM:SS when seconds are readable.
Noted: **6:52:13**
